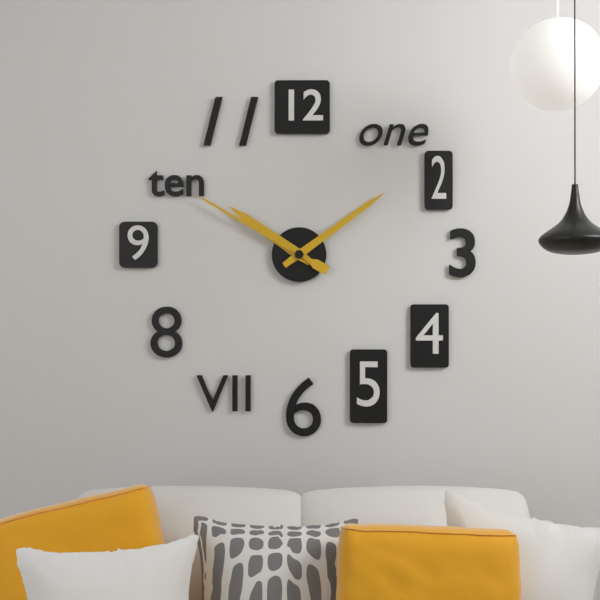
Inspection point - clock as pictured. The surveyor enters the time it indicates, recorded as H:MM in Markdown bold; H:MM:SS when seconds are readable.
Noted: **10:09:50**
